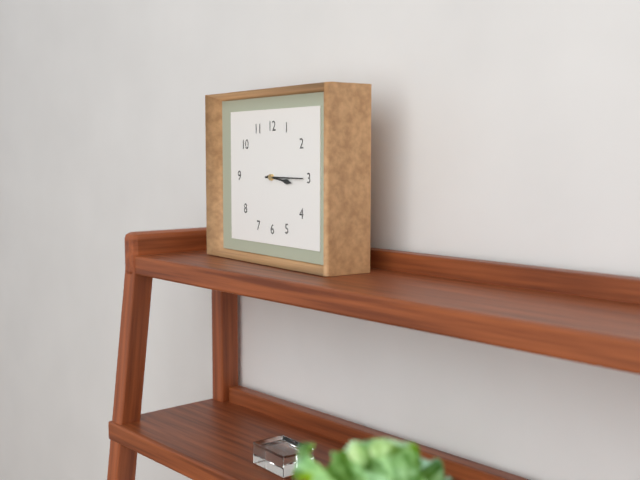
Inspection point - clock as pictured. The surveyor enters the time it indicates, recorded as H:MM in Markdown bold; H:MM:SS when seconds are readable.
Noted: **3:15**
